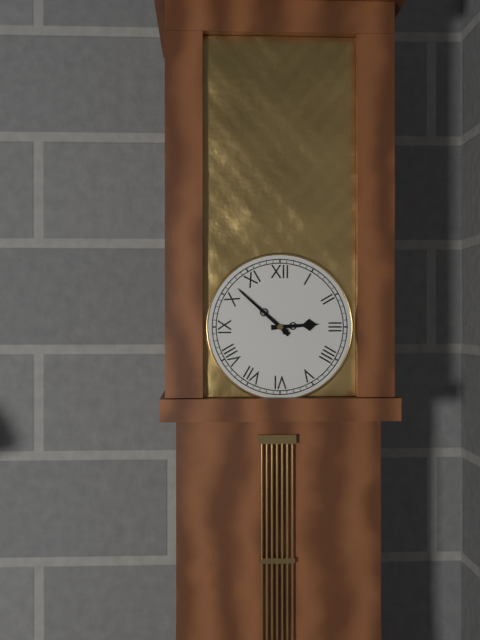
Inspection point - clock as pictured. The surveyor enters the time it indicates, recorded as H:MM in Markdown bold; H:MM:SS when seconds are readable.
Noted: **2:52**
